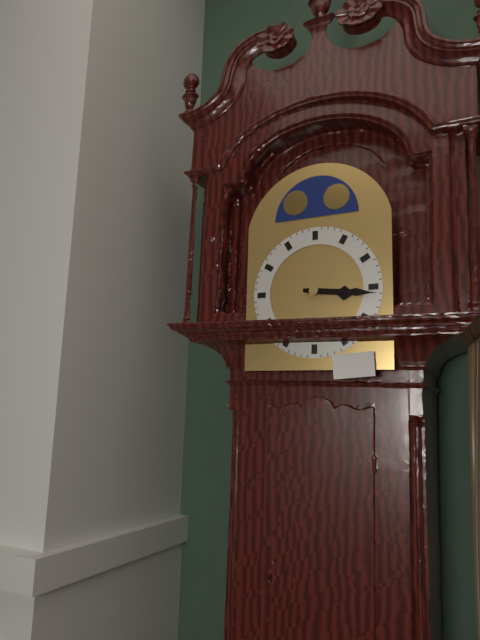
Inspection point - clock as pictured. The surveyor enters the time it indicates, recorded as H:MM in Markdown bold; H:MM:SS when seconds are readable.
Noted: **3:16**
